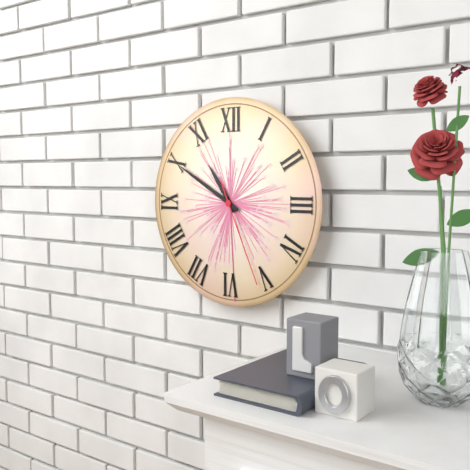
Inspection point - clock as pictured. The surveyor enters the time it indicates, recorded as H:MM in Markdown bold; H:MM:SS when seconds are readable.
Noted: **10:50:26**
